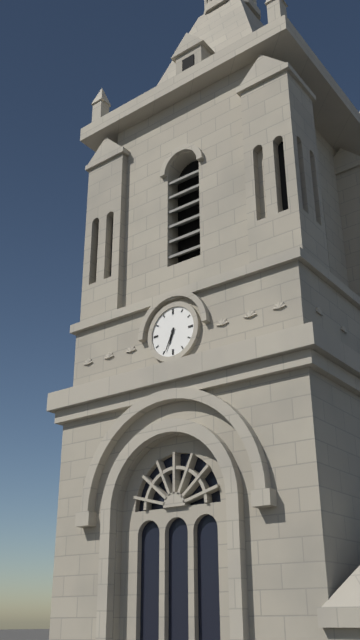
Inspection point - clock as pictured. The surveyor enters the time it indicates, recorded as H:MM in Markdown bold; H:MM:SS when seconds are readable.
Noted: **6:34**
